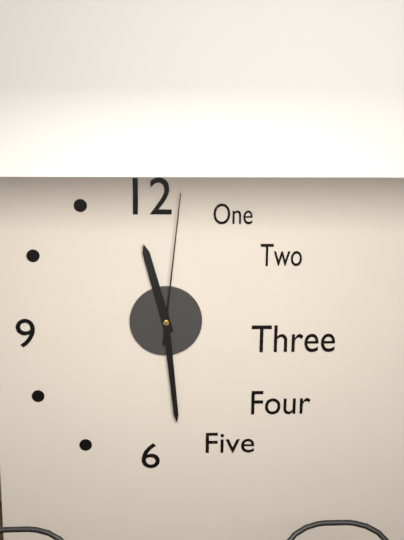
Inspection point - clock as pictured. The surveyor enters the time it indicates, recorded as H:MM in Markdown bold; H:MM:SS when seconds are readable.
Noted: **11:29:01**
